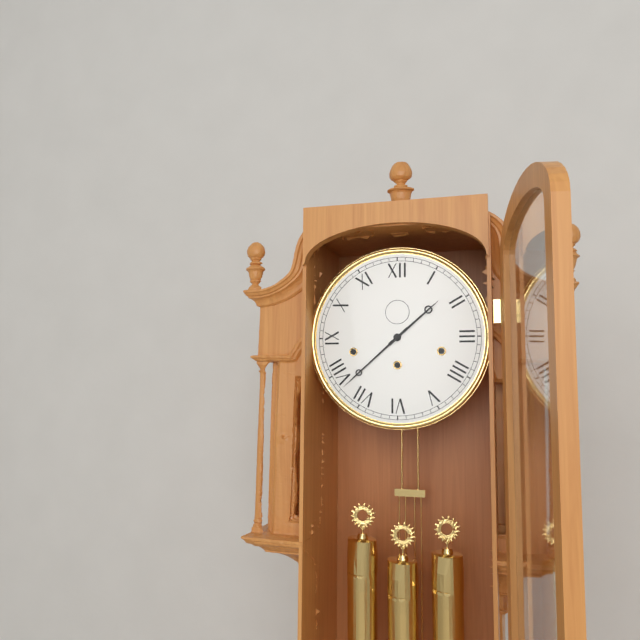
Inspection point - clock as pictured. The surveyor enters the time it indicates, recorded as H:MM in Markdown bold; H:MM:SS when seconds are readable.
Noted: **1:38**
